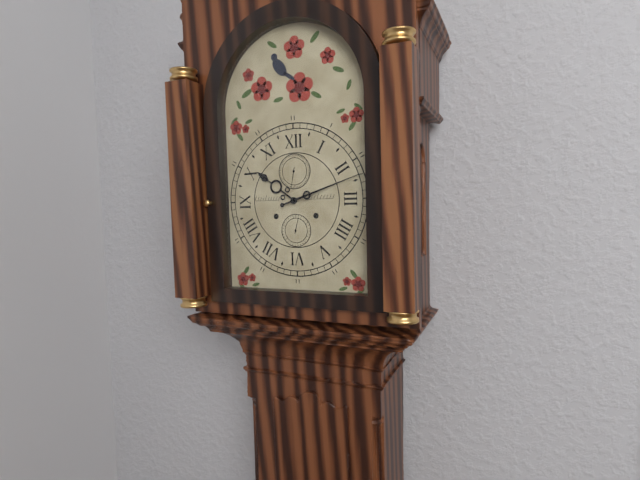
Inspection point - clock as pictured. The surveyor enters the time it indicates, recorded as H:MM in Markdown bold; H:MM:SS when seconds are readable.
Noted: **10:12**
